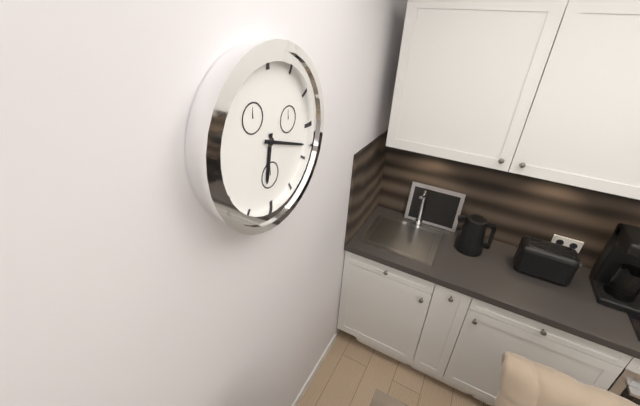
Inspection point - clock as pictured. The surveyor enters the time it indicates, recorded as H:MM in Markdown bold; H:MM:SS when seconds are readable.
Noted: **6:18**
